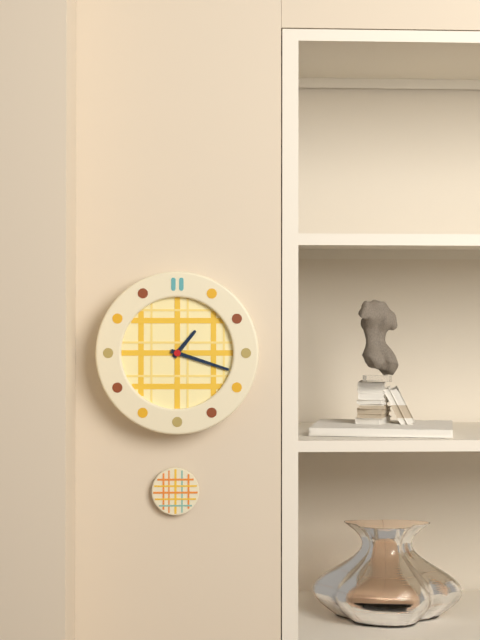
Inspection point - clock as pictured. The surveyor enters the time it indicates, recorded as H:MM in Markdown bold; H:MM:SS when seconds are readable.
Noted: **1:18**
